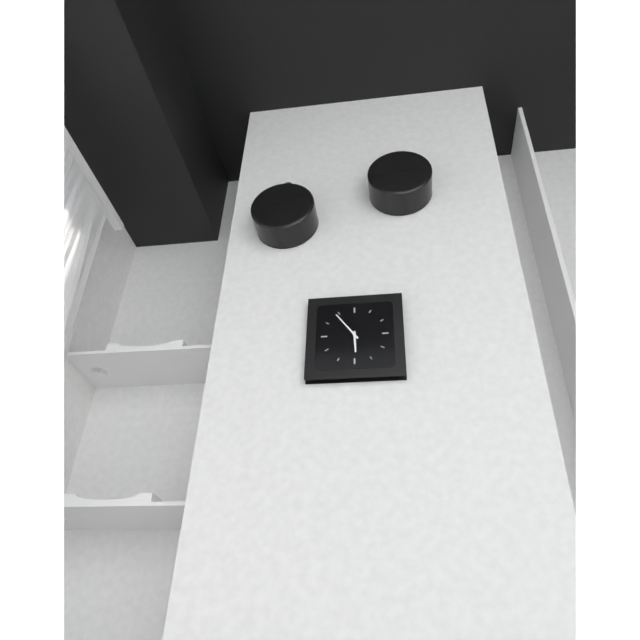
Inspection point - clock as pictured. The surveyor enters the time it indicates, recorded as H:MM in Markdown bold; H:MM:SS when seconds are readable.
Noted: **5:54**
